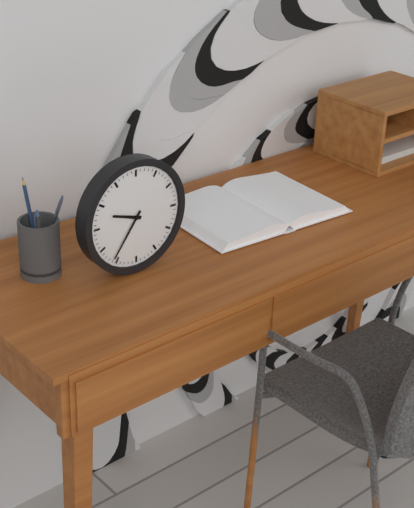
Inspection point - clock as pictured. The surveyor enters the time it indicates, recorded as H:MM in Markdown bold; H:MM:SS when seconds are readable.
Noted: **9:36**
